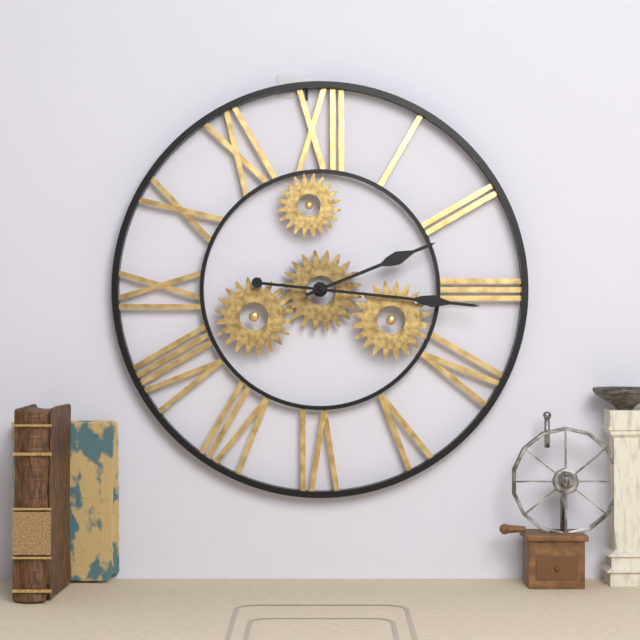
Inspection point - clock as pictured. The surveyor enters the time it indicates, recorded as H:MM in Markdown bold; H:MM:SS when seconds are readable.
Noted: **2:16**
